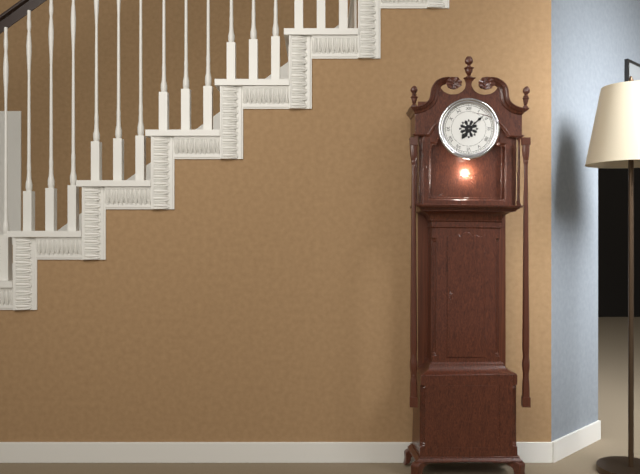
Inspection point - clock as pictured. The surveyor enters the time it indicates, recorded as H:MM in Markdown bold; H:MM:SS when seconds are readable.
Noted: **7:08**
